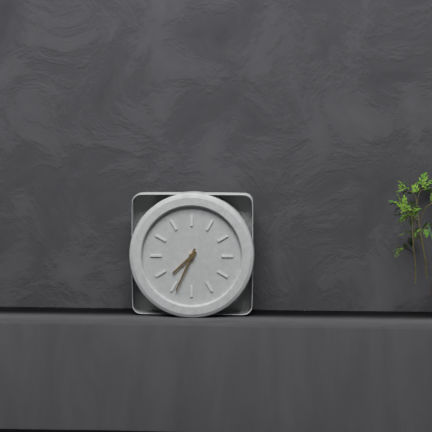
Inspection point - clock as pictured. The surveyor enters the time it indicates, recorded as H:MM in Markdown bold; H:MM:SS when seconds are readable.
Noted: **7:34**
